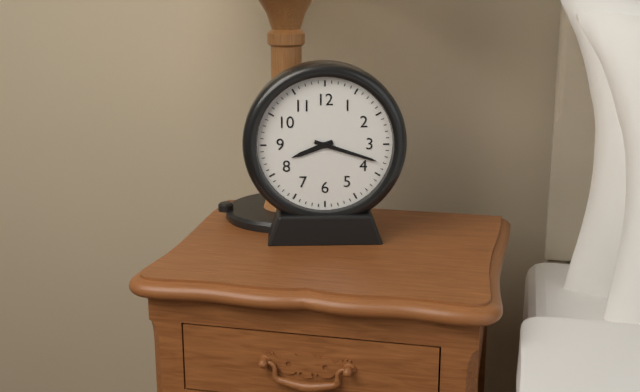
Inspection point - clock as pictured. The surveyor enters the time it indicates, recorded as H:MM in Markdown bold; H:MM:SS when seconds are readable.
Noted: **8:18**
